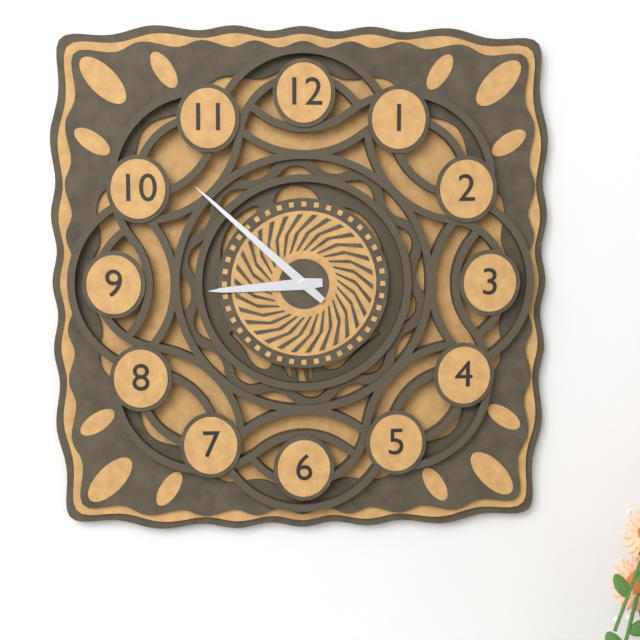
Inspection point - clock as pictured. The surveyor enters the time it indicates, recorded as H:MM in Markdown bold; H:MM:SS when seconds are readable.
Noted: **8:52**
